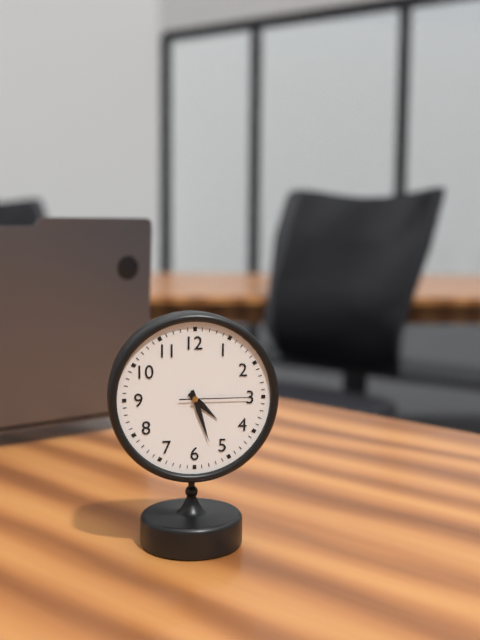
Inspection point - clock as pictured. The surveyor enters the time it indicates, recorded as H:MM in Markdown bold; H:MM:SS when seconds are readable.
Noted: **4:27:15**
